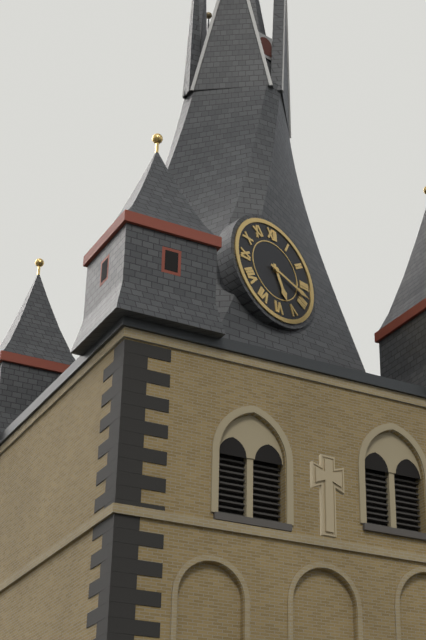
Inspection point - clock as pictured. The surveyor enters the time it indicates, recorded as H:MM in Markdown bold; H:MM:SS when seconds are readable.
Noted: **5:18**
